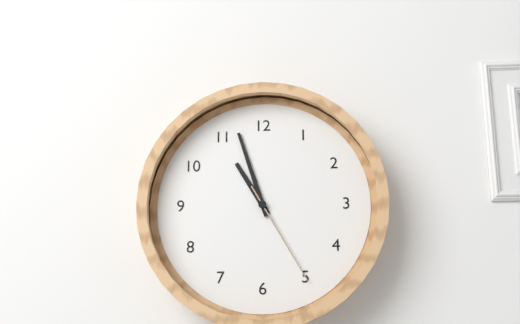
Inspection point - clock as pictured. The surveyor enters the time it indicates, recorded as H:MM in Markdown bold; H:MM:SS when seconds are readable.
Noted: **10:57:25**
